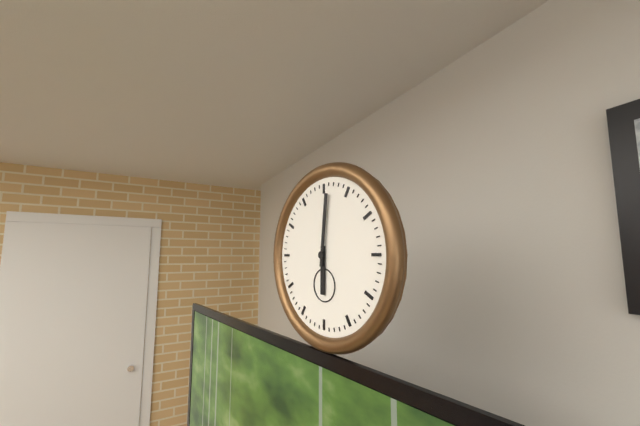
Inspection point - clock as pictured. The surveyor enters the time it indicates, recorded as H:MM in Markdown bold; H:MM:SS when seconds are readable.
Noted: **6:01**
